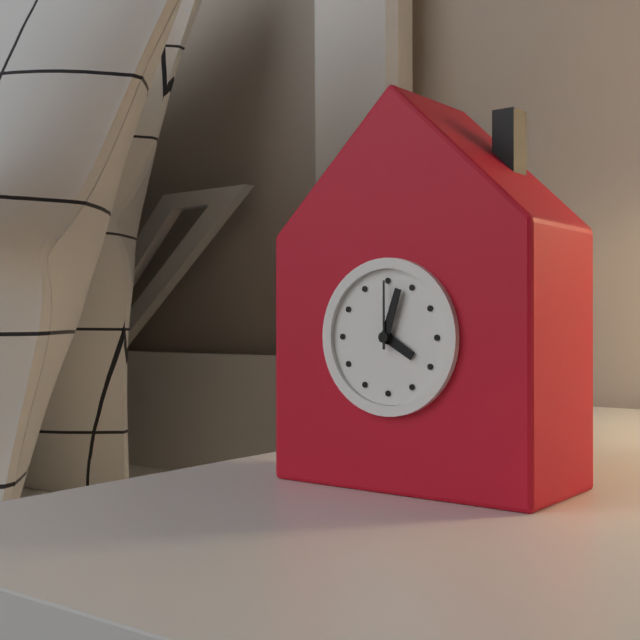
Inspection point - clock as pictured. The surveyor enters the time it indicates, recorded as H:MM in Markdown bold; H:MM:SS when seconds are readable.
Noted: **4:03:00**
